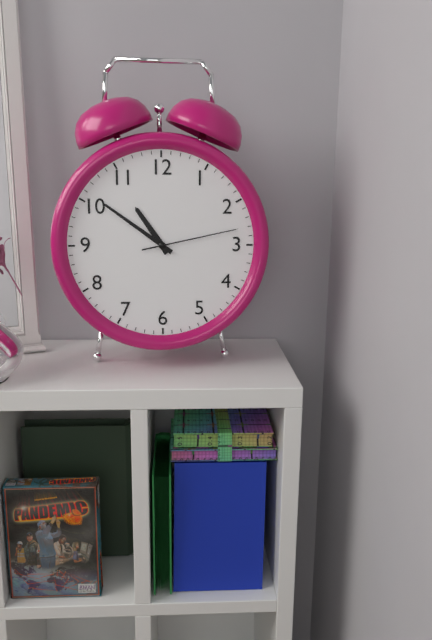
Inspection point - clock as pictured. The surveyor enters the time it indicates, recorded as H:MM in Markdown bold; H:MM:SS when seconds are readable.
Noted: **10:51:13**
